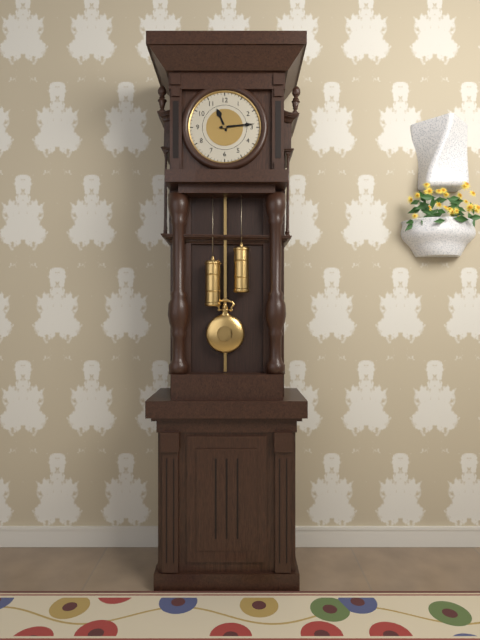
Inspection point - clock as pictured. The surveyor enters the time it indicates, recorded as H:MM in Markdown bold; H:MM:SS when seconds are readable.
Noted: **11:14**
